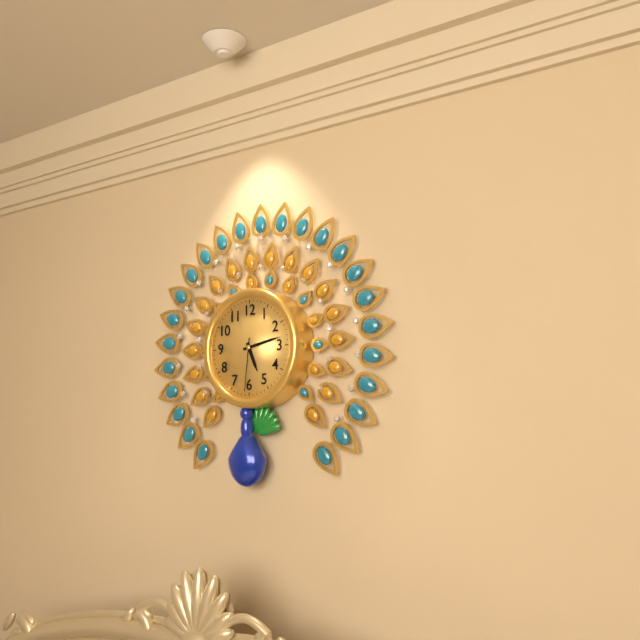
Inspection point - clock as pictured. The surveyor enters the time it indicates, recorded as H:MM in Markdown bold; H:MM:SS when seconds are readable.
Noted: **5:13:31**
